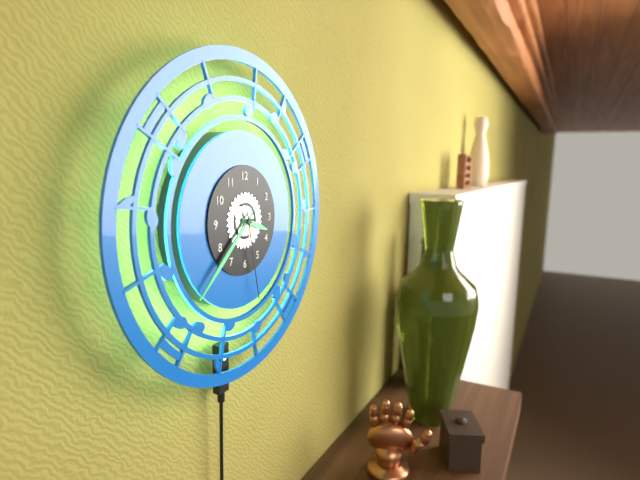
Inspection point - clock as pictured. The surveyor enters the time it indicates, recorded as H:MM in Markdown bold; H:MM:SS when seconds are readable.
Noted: **3:38:28**
